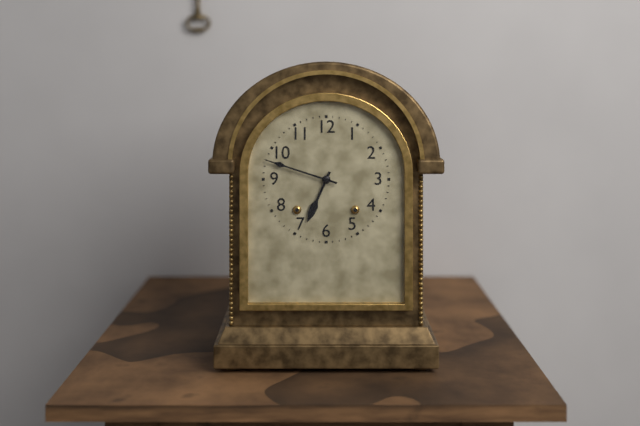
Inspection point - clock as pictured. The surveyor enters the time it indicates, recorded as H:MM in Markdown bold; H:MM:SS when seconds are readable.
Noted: **6:48**
